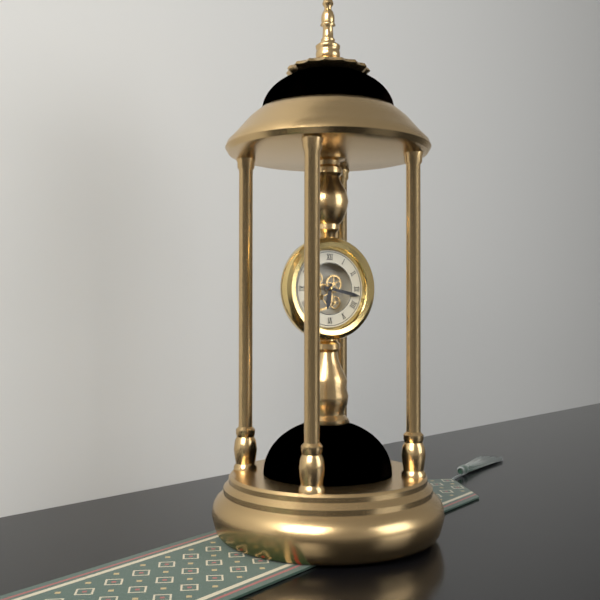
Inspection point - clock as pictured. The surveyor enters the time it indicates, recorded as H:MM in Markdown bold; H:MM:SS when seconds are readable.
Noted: **6:17**
